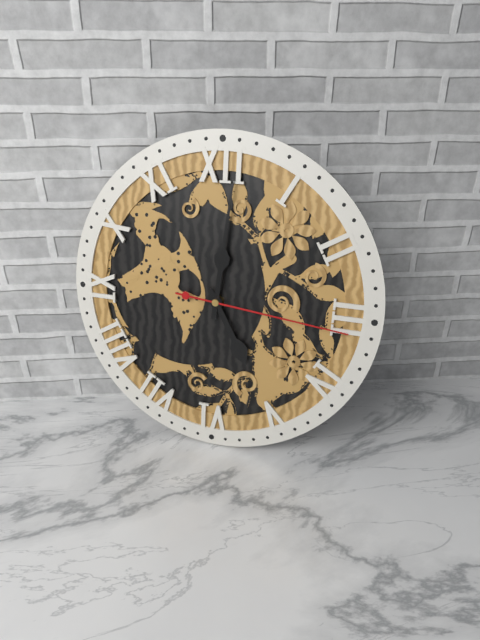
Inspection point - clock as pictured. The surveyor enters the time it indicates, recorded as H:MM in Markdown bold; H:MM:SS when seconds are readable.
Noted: **5:01:16**
